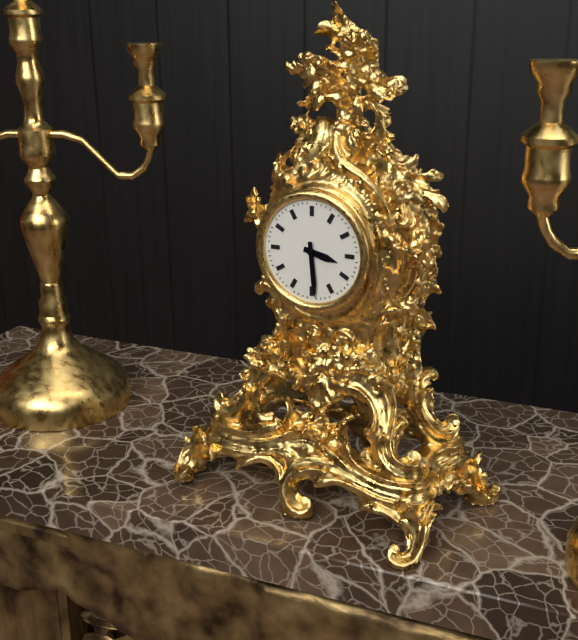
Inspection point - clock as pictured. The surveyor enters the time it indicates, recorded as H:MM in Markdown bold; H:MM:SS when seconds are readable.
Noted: **3:29**
